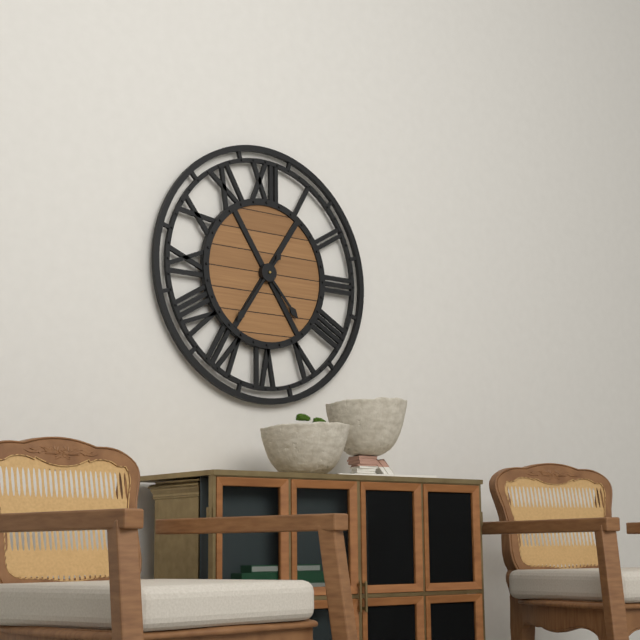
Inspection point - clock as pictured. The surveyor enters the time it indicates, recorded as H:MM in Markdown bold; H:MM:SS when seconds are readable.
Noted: **4:36**
